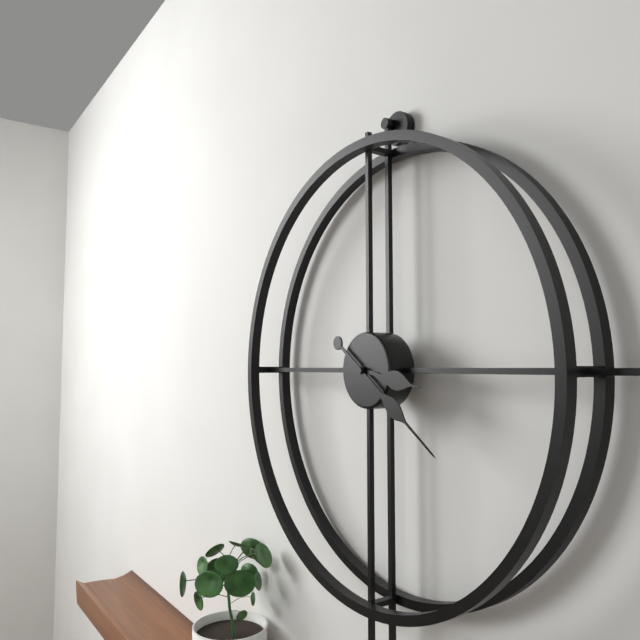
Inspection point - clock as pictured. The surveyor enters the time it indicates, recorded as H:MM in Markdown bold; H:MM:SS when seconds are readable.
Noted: **3:21**
